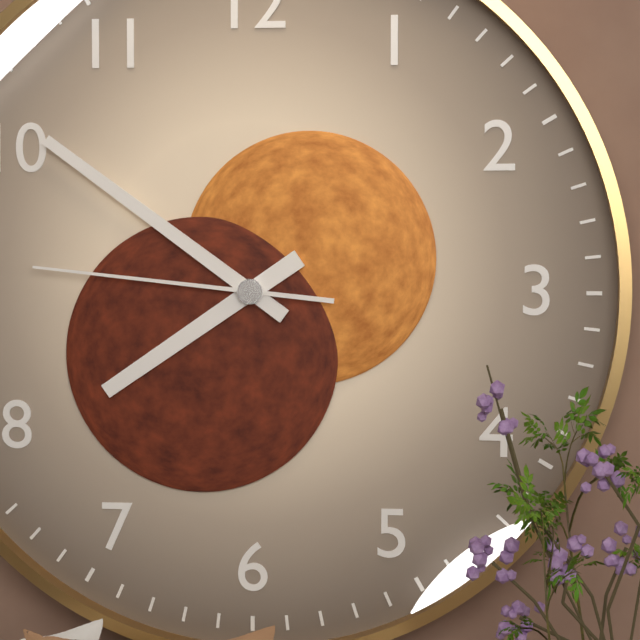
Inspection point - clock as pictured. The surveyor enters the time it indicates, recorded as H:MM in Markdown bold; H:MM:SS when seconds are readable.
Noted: **7:51:46**
